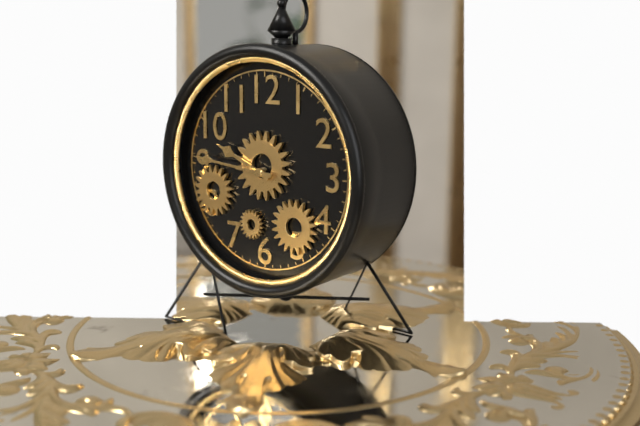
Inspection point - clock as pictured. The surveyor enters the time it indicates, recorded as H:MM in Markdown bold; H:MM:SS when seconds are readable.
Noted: **9:46**
